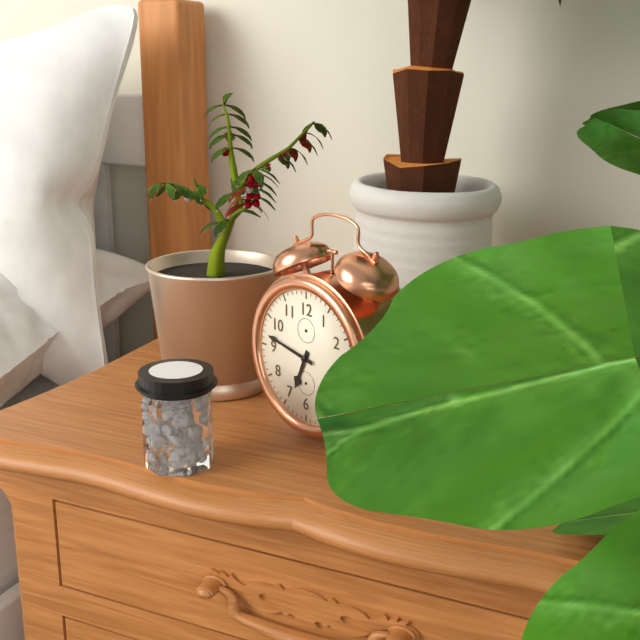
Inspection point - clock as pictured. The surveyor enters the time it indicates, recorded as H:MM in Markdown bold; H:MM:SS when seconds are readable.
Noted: **6:47**
